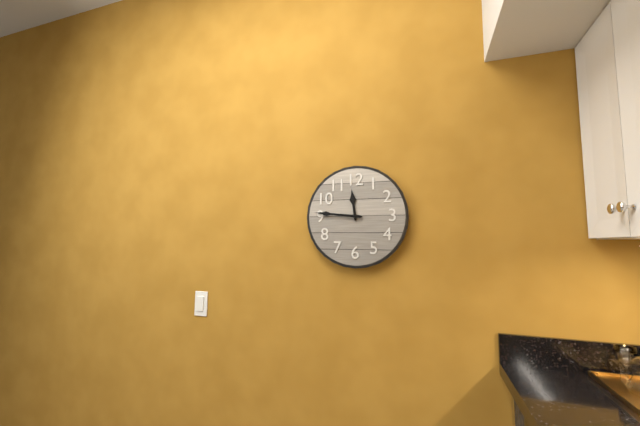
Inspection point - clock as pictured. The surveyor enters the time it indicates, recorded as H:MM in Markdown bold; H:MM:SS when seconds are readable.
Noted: **11:46**
